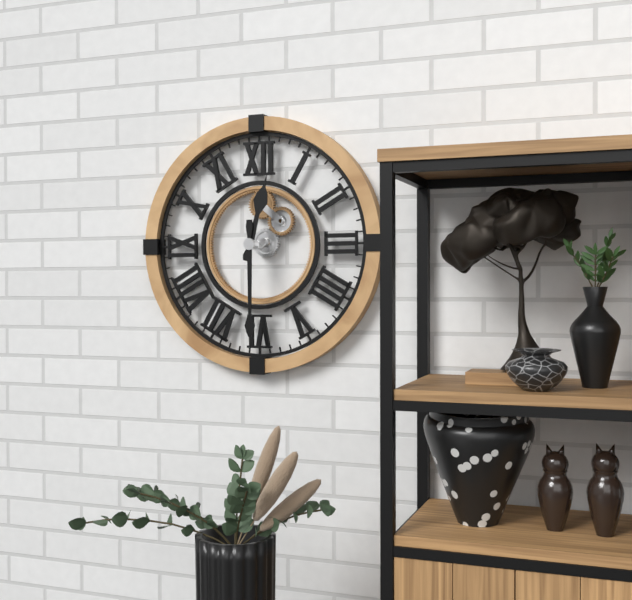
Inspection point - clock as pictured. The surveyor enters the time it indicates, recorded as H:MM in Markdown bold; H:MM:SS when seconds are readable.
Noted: **12:30**
